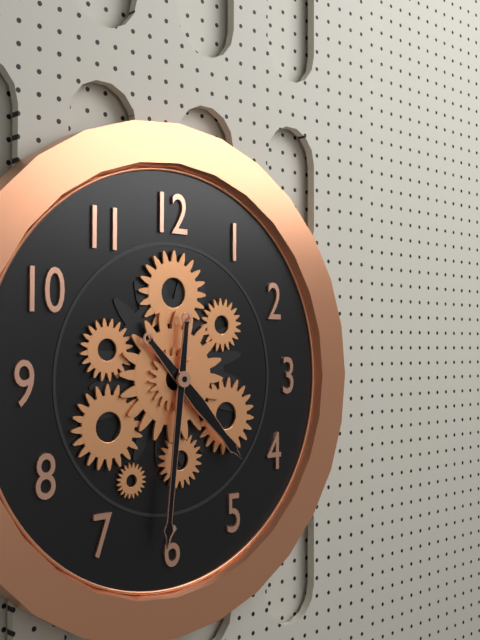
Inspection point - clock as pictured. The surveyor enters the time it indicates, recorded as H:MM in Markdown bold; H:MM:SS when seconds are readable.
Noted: **4:31**
